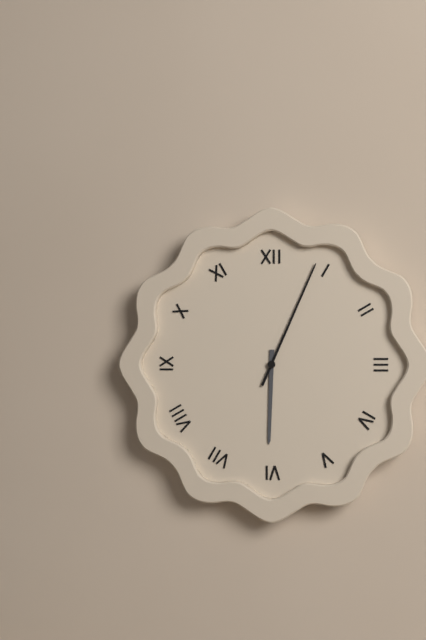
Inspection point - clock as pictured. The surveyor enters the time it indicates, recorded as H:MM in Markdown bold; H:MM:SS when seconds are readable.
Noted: **6:04**
